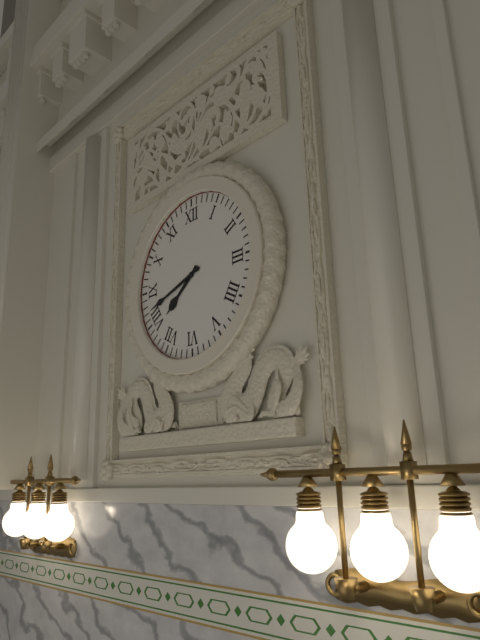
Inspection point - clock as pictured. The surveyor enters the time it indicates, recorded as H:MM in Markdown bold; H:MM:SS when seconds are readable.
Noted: **7:42**
